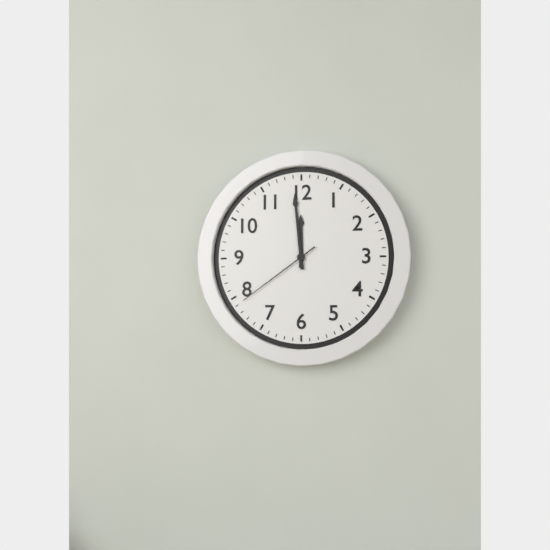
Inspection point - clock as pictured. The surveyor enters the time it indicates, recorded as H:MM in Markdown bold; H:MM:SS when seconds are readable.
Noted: **11:59:39**
